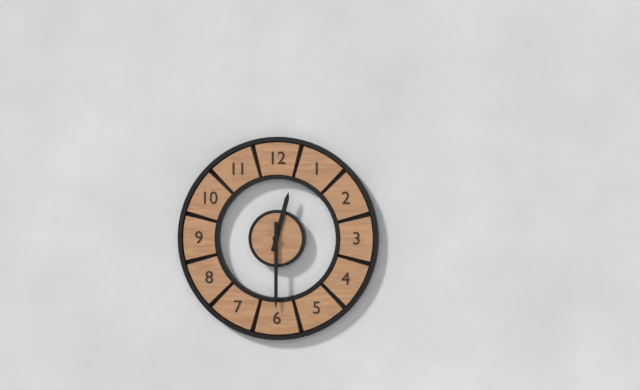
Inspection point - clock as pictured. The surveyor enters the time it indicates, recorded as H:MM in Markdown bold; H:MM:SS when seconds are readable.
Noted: **12:30**
